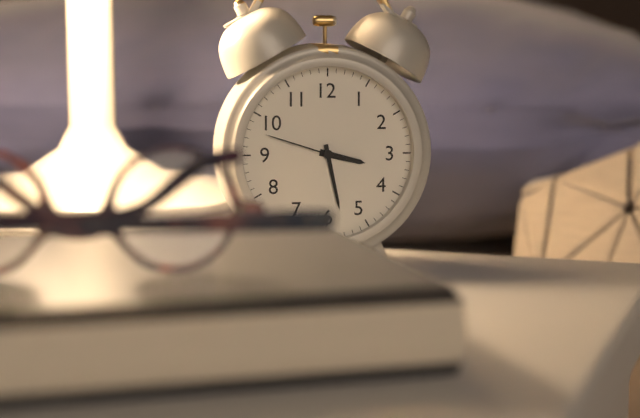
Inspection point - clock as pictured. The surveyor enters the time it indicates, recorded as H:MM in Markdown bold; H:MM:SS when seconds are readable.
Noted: **3:28:48**
